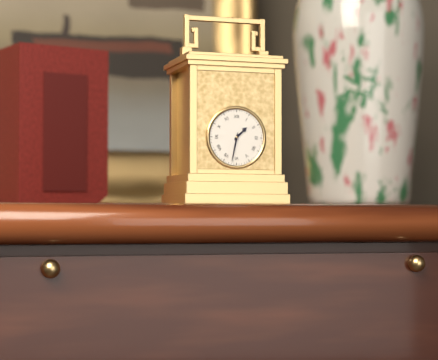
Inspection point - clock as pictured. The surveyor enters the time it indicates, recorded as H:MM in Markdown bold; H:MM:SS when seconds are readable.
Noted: **1:32**
